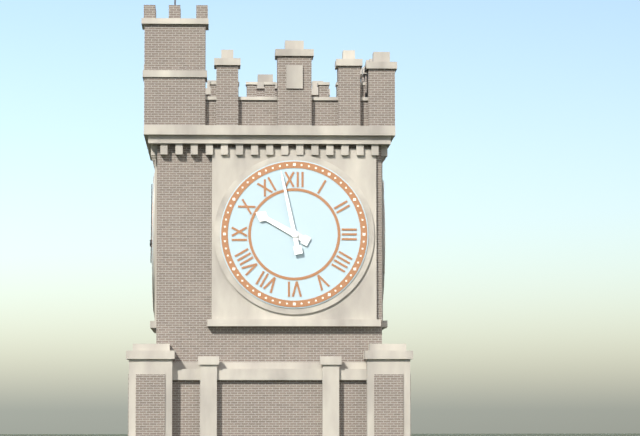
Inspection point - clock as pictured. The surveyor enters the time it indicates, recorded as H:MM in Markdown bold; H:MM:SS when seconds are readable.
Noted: **9:58**
